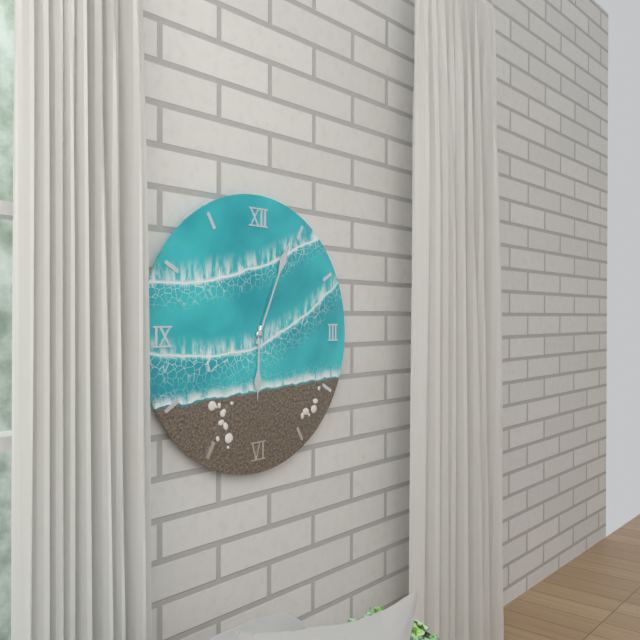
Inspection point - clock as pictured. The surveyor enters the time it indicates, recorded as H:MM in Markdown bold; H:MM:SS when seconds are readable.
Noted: **6:04**
